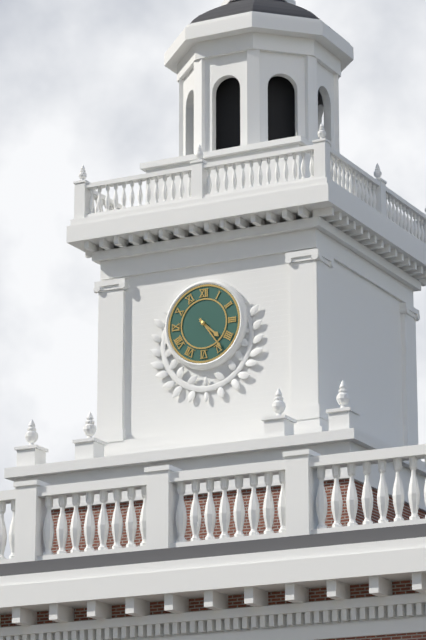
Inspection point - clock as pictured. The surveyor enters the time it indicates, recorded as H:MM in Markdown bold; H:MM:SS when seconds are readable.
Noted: **4:24**
